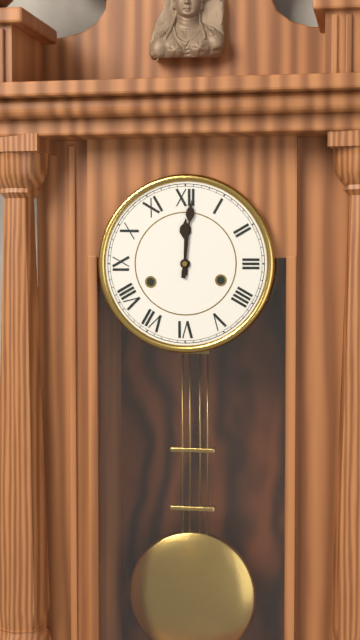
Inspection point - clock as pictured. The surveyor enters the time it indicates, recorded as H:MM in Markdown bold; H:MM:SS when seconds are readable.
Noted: **12:01**
